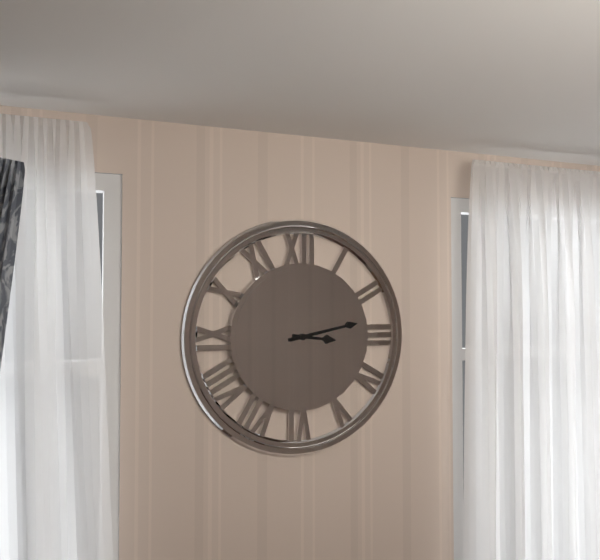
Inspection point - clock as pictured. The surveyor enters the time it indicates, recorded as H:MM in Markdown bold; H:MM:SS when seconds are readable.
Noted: **3:13**
